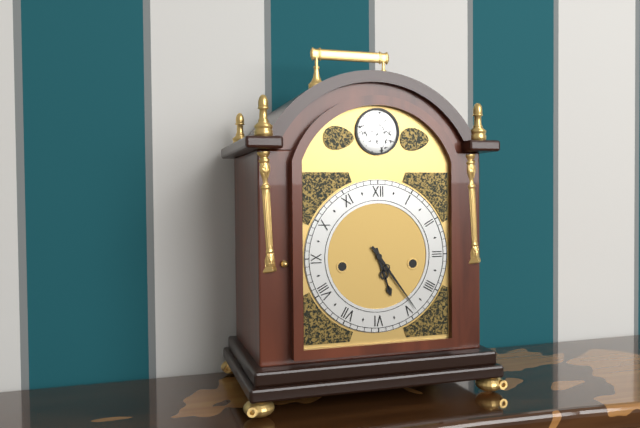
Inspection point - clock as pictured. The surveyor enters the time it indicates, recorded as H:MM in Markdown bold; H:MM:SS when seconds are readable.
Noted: **5:24**
